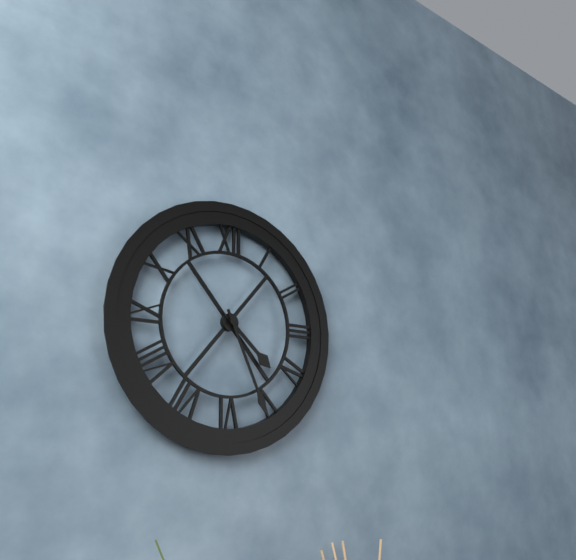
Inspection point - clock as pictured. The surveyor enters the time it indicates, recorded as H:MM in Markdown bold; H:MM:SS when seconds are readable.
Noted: **4:26**
